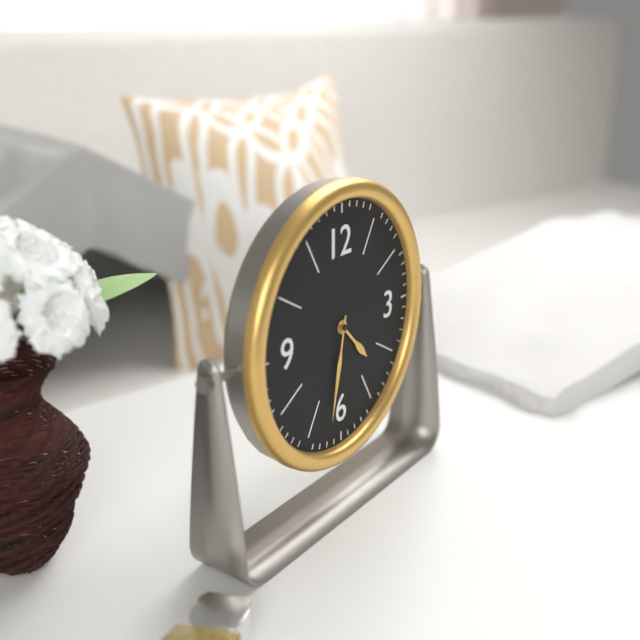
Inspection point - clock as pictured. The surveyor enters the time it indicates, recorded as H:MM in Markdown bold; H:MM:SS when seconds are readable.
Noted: **4:32**
